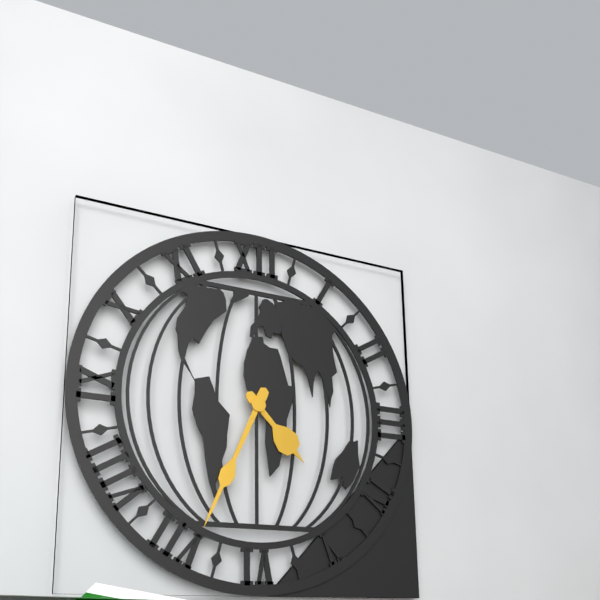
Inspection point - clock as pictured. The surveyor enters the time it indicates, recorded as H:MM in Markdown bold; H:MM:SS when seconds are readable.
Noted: **4:34**
